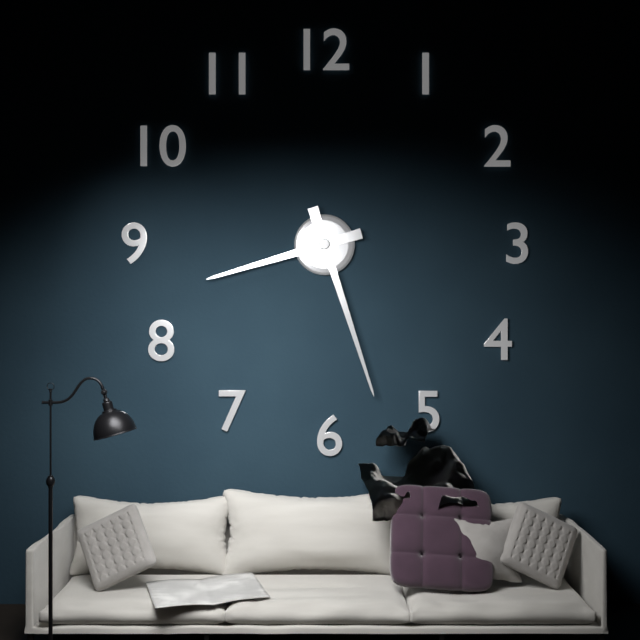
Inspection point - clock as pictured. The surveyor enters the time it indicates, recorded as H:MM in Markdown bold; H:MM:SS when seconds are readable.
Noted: **8:27**
